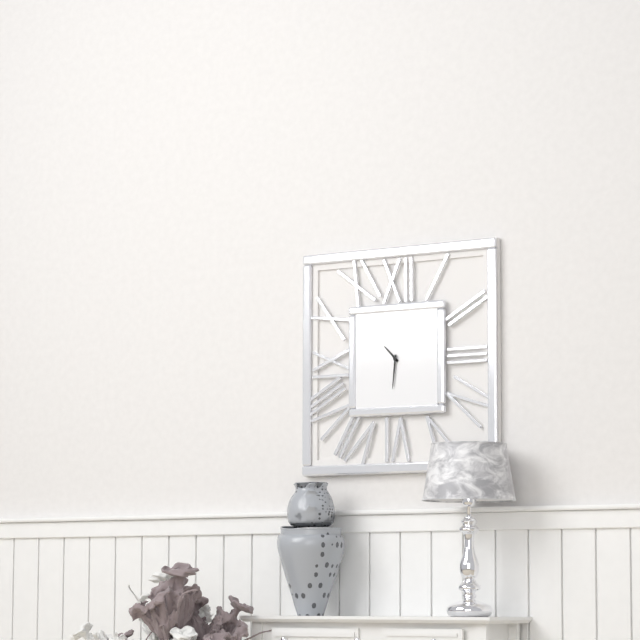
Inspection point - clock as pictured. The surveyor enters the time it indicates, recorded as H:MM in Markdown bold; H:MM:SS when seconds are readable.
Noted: **10:31**
